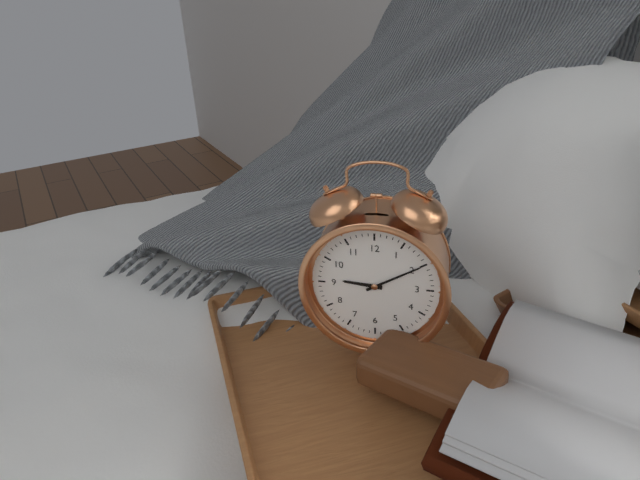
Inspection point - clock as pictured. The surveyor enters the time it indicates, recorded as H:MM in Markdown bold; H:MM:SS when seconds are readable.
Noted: **9:10**
